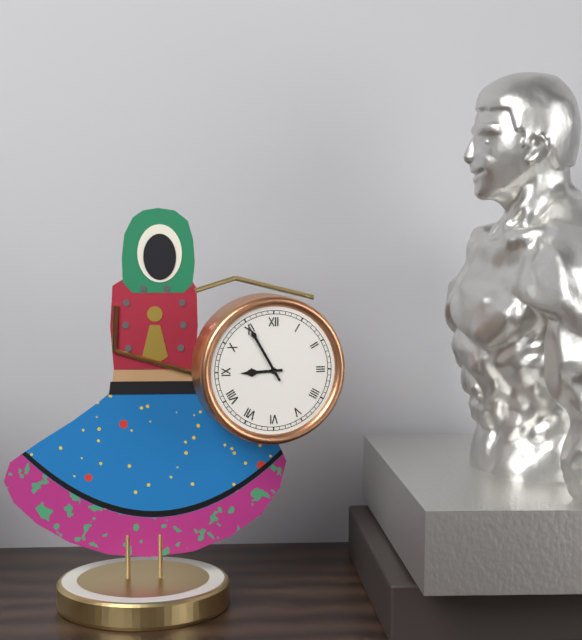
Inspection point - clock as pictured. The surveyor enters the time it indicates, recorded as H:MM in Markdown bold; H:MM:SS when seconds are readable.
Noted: **8:55**
